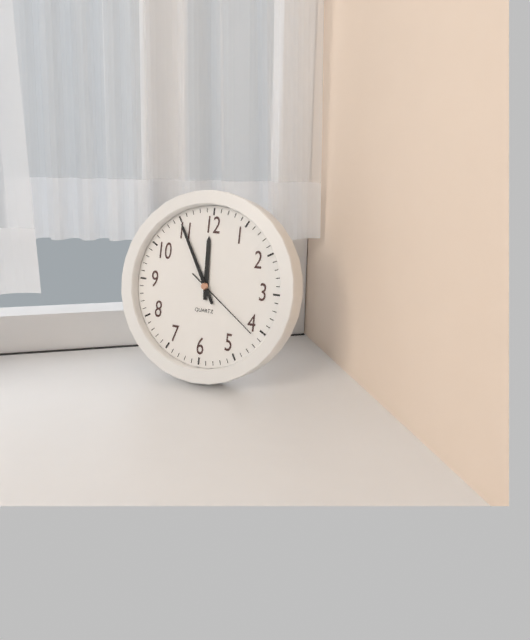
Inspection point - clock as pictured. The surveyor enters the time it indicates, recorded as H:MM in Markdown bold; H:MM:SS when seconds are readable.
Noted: **11:55:21**
